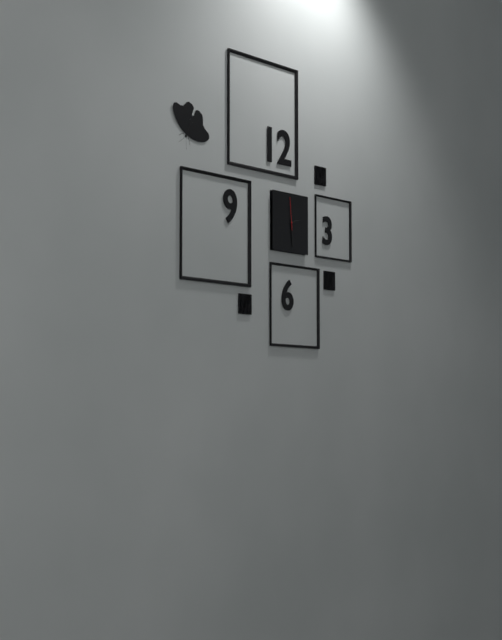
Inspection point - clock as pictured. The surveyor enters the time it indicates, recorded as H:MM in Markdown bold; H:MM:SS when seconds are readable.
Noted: **2:29**
